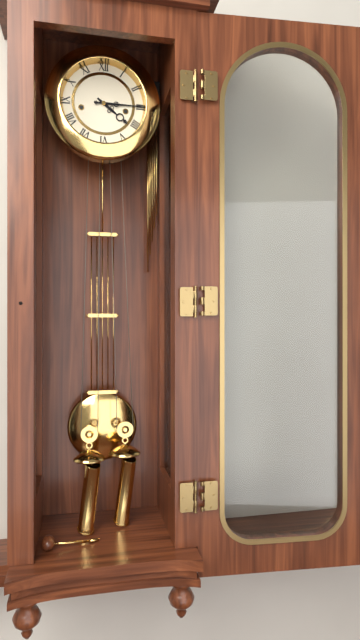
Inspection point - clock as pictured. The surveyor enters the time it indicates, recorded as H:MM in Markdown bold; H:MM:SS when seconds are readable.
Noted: **4:15**
